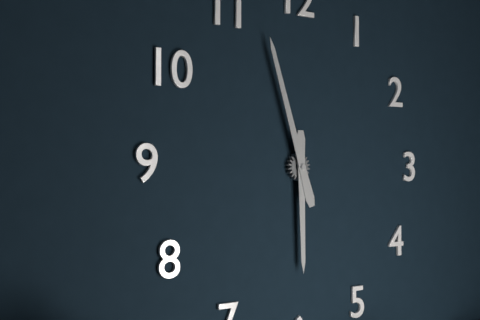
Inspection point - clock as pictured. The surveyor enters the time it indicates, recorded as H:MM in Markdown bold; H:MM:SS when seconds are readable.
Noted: **5:57**
